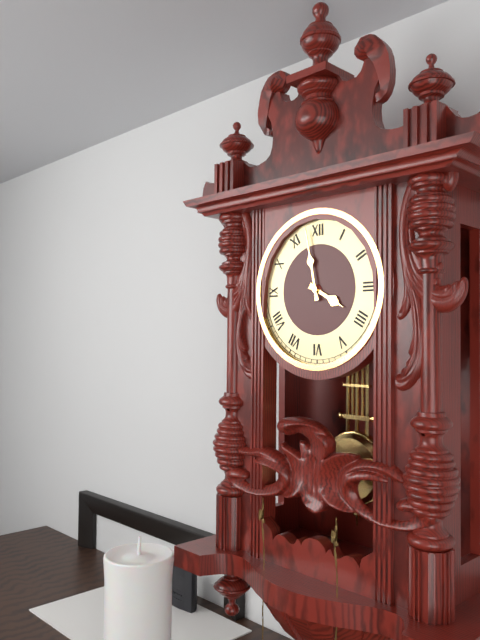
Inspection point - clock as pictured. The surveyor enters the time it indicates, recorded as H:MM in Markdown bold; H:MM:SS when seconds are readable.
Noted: **3:58**
